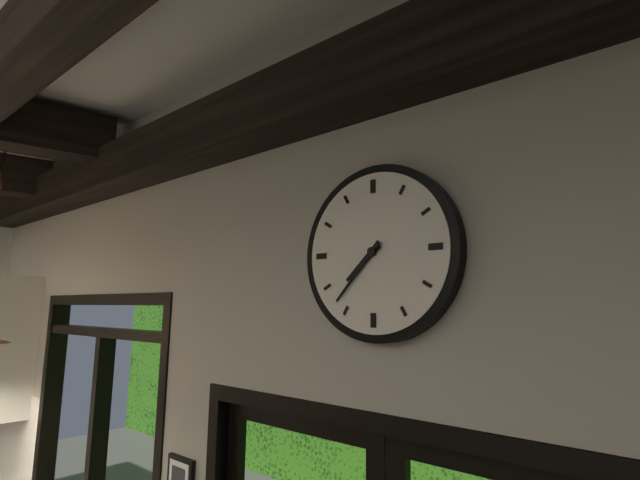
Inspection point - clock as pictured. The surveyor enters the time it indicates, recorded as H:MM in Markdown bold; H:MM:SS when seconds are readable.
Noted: **7:37**
